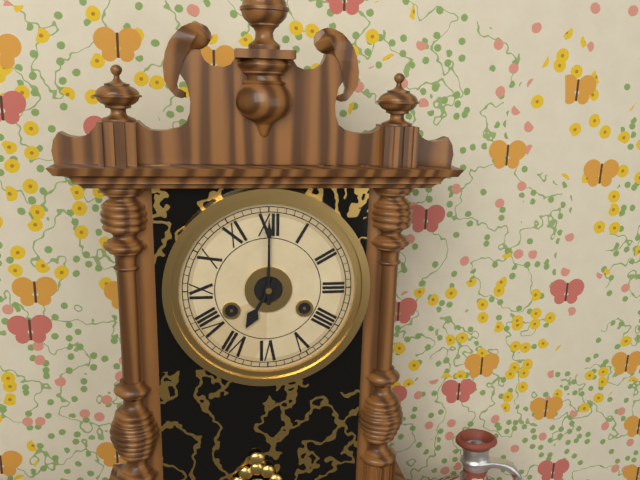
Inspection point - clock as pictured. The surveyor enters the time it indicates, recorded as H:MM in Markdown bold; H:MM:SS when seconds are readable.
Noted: **7:00**
